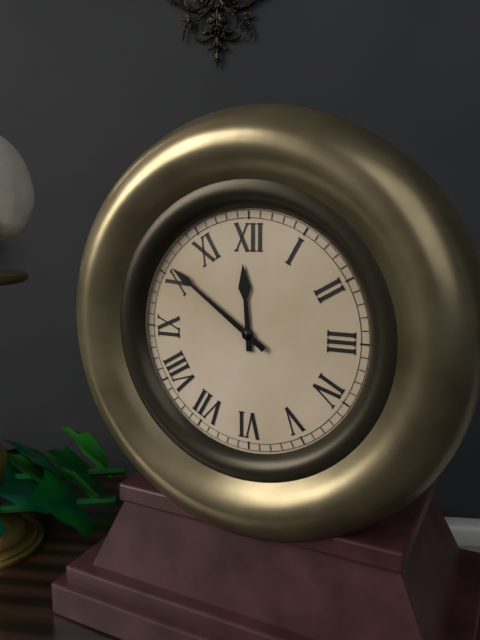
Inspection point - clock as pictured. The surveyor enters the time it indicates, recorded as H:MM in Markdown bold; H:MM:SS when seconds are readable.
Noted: **11:51**
